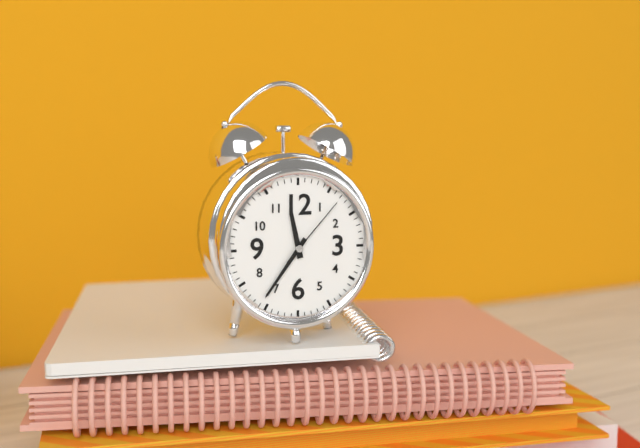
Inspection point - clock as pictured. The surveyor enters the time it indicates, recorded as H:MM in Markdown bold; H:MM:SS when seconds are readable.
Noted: **11:36:07**
